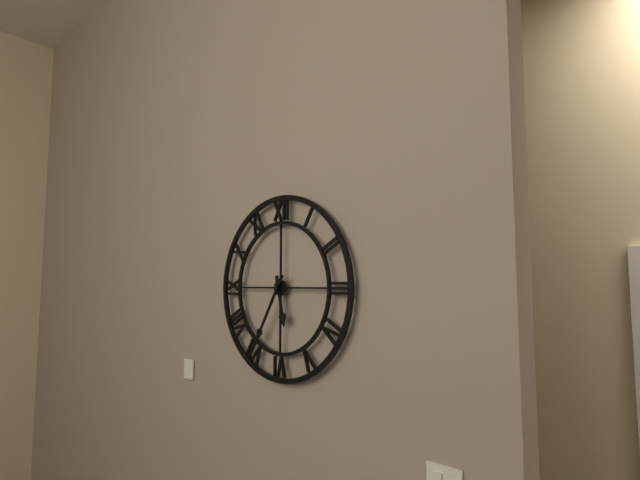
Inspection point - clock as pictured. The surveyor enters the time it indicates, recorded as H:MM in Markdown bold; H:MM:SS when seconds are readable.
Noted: **5:35**
